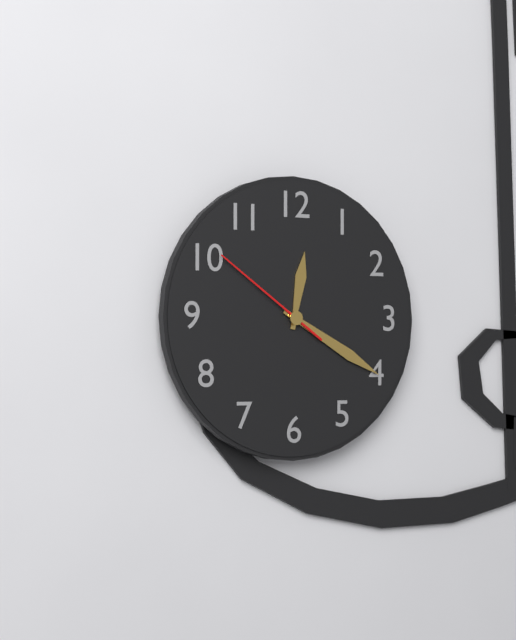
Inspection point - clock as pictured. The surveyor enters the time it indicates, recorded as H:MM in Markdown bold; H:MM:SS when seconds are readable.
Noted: **12:20:51**
